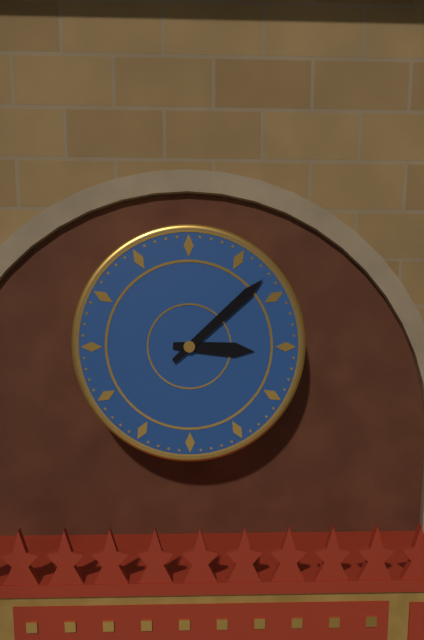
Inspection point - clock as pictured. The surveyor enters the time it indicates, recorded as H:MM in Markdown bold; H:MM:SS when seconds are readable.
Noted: **3:08**
